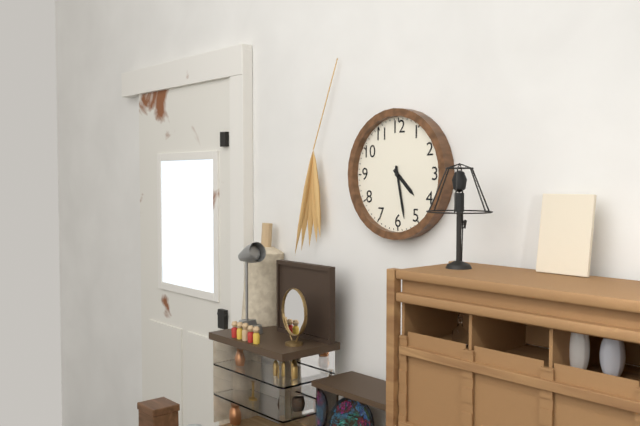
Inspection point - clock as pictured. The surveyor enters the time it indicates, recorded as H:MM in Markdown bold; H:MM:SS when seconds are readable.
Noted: **4:28**
